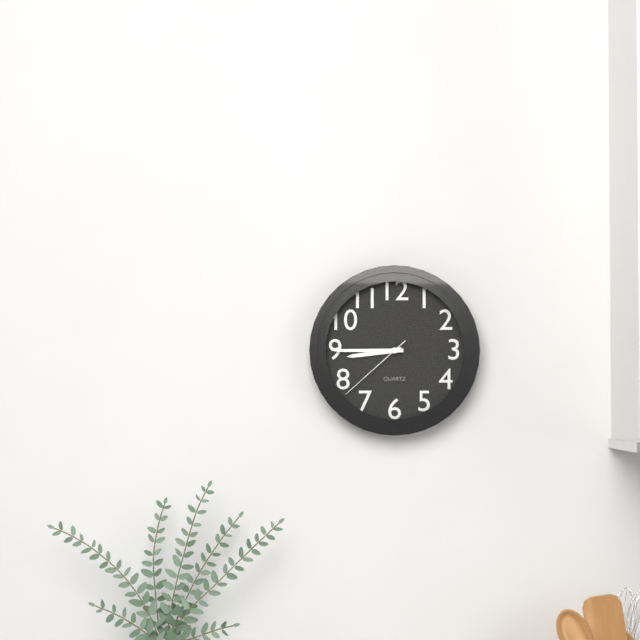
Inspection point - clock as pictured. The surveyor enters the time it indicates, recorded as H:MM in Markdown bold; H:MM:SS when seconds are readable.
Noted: **8:45:38**
